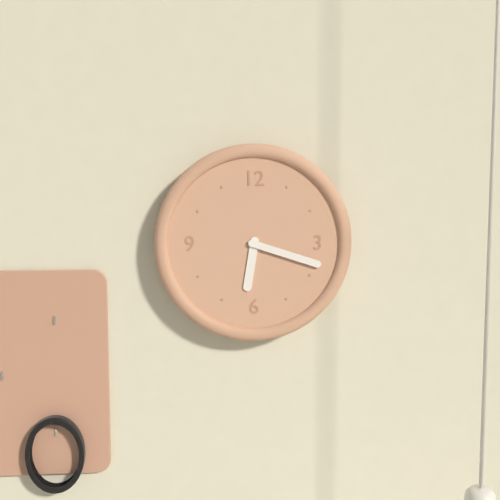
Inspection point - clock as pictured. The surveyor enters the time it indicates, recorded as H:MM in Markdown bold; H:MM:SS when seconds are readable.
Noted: **6:18**
